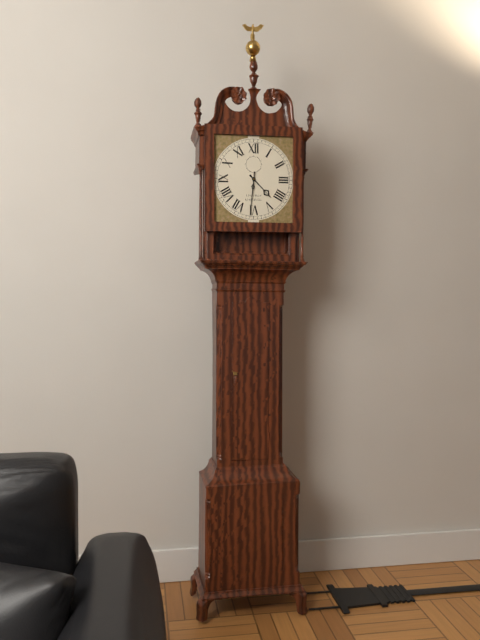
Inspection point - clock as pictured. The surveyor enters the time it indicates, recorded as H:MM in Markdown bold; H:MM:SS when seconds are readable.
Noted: **4:31**
